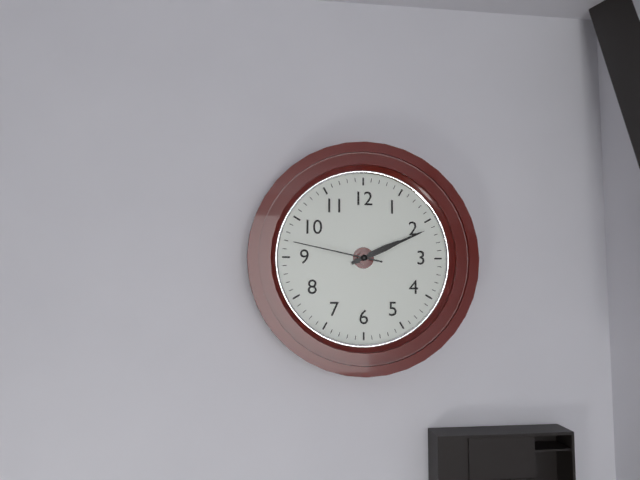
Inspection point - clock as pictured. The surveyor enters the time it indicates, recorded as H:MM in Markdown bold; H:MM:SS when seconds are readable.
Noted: **2:11:47**
